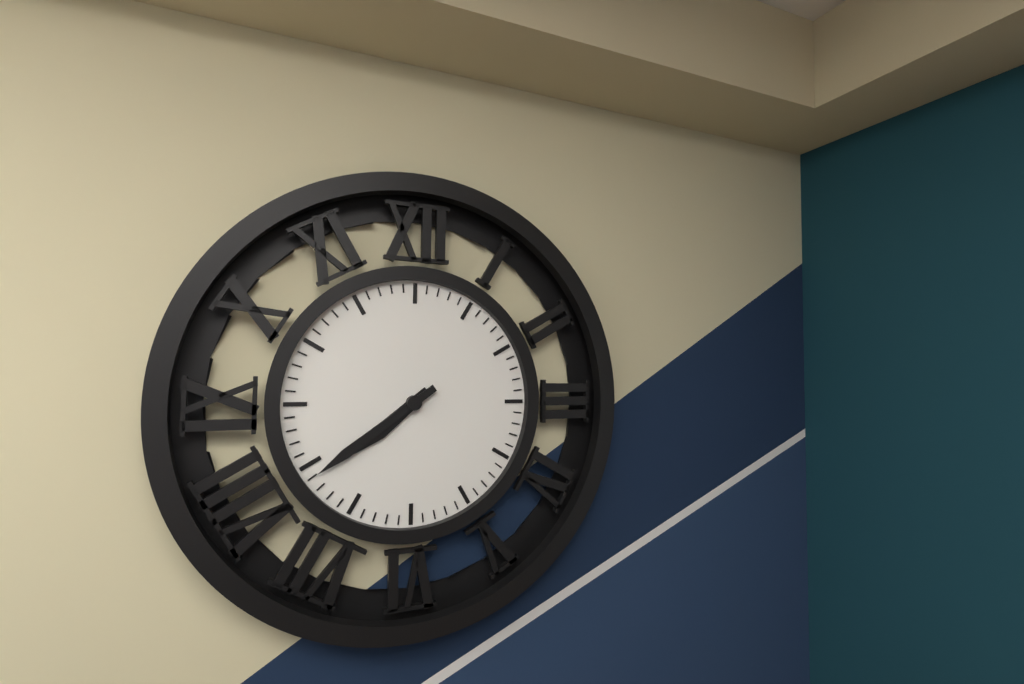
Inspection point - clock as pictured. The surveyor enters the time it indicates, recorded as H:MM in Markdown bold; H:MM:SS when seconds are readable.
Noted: **7:39**
